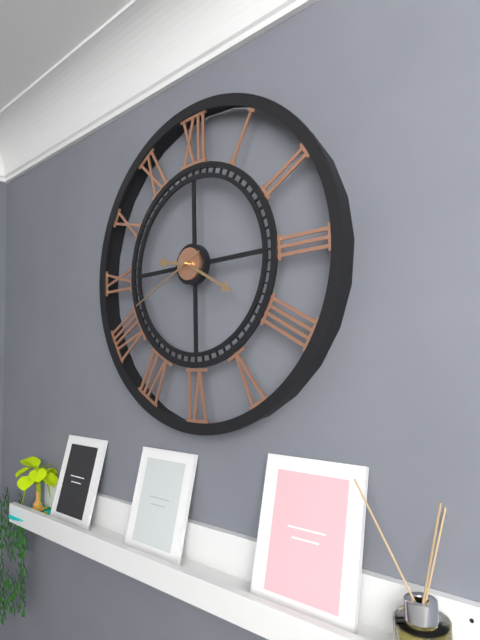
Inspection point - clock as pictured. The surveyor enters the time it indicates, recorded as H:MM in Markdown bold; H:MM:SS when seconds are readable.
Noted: **9:20:41**
